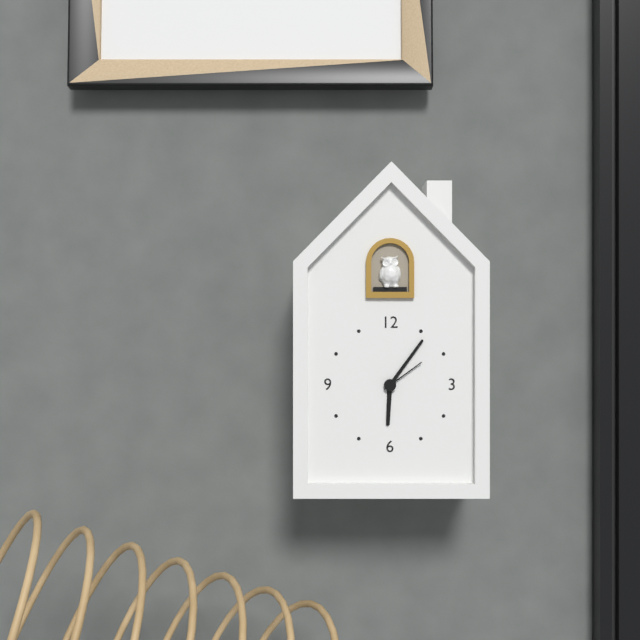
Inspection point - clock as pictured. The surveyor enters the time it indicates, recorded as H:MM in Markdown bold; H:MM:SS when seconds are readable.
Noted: **6:06**
